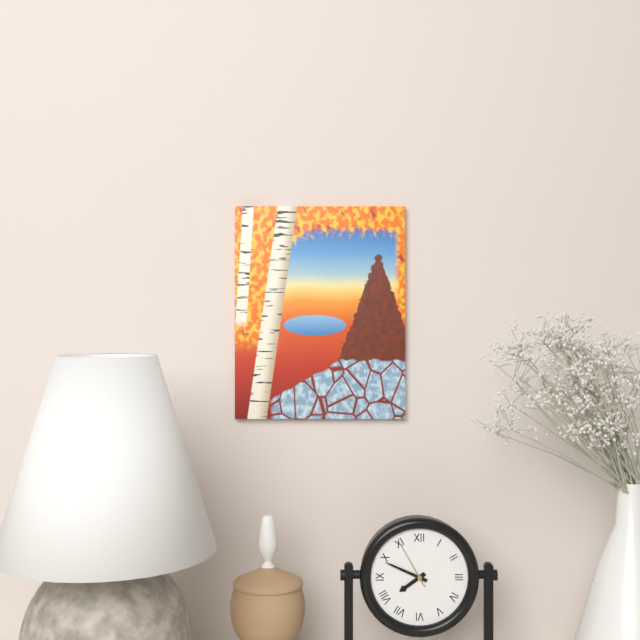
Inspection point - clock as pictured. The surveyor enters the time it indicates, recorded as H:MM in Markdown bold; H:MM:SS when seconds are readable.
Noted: **7:49:55**
